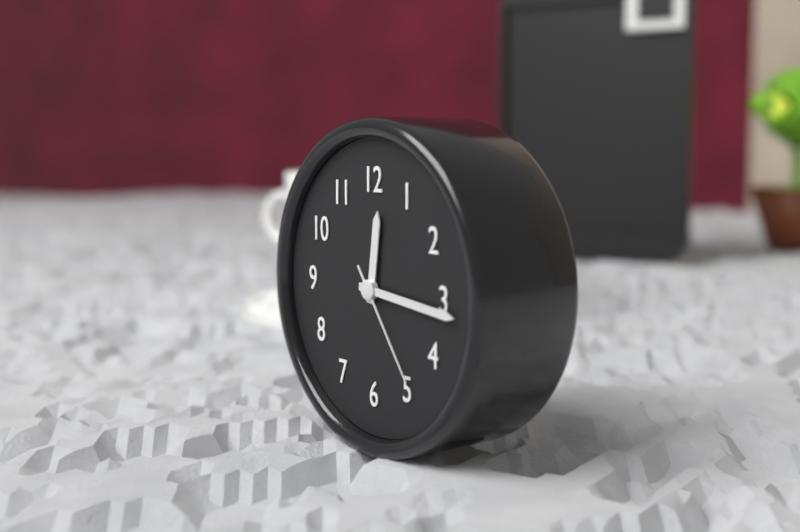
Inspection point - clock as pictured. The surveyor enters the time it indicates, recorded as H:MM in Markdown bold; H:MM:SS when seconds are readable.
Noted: **12:16:24**
